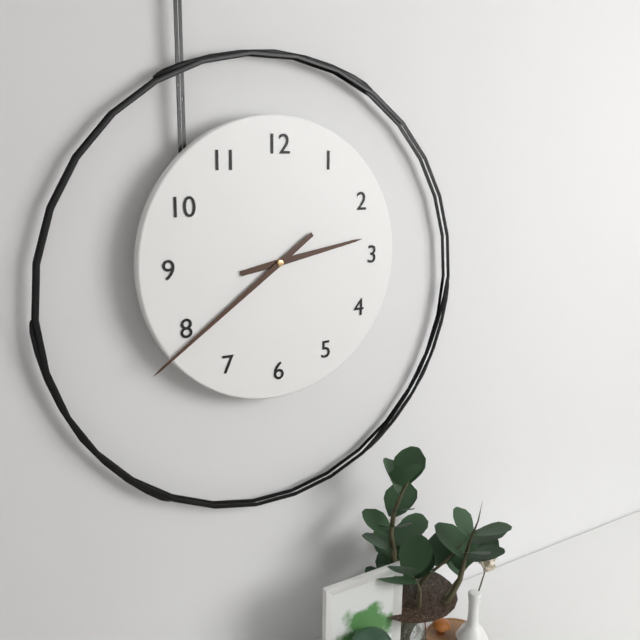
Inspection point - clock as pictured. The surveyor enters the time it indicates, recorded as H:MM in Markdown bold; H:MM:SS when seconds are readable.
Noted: **2:39**
